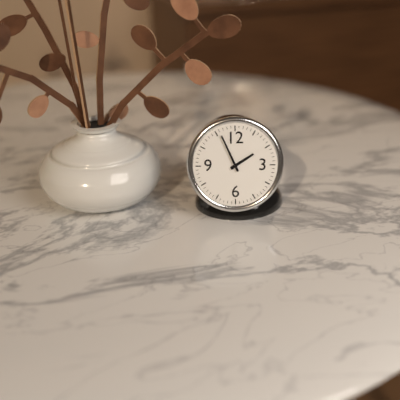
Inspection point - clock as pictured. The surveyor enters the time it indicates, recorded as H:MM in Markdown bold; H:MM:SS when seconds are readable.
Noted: **1:56**
